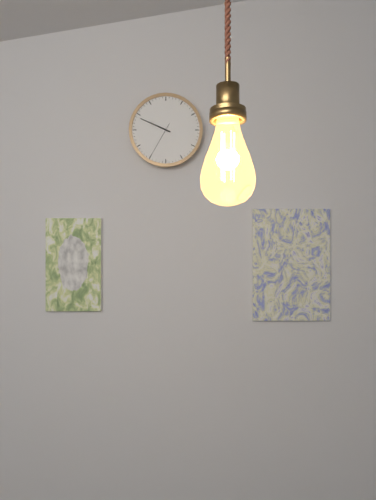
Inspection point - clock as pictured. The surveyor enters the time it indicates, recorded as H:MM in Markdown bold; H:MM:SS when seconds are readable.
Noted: **9:49**
